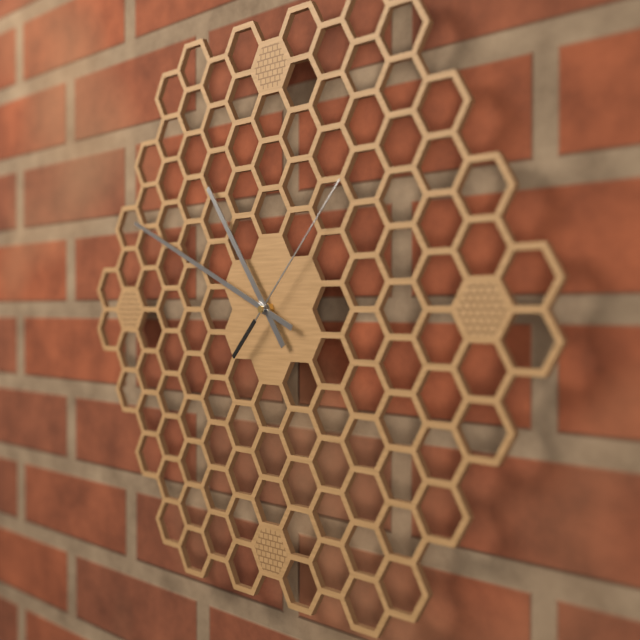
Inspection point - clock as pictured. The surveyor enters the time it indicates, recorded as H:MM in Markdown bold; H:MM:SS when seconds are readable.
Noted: **10:49:07**
